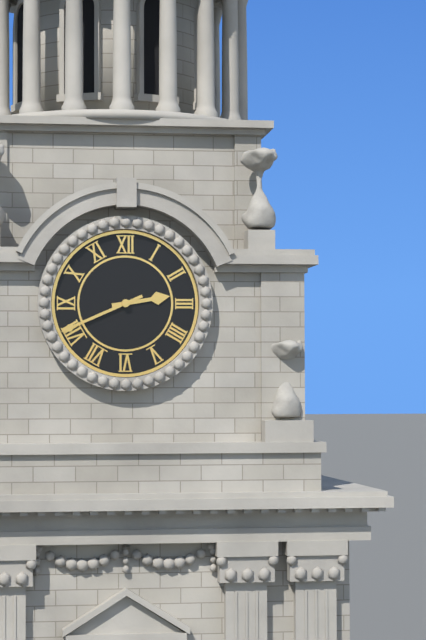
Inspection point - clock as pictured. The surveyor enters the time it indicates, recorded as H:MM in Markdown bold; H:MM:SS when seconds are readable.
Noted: **2:41**
